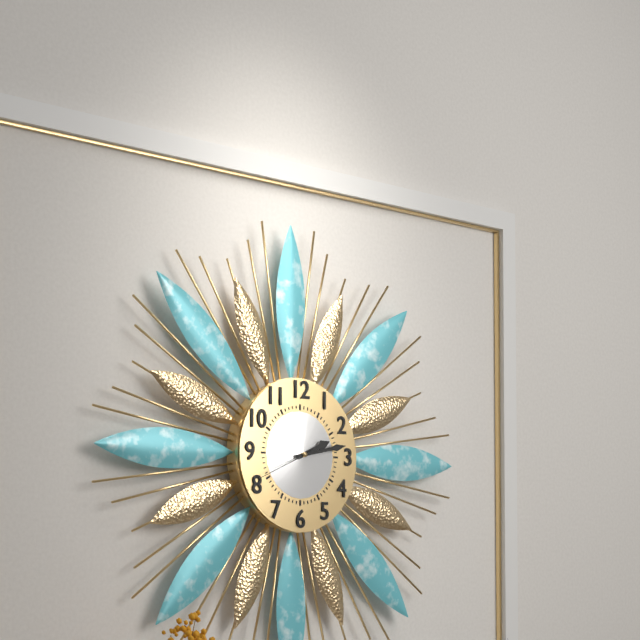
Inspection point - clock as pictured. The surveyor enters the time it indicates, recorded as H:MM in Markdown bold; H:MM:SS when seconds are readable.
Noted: **2:13**
